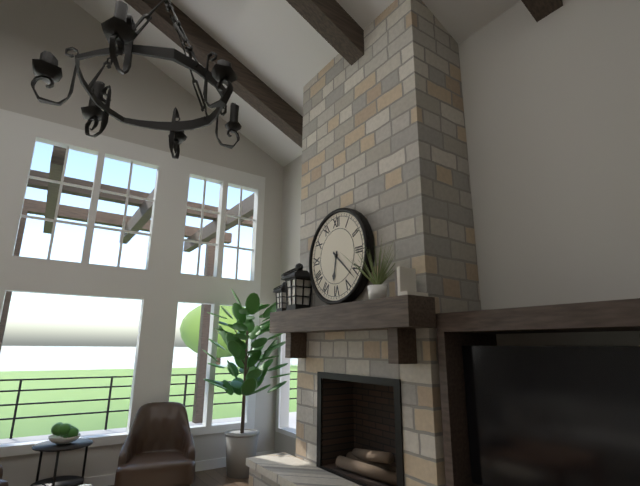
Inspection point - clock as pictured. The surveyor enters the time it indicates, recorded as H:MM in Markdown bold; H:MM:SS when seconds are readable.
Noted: **6:22**
